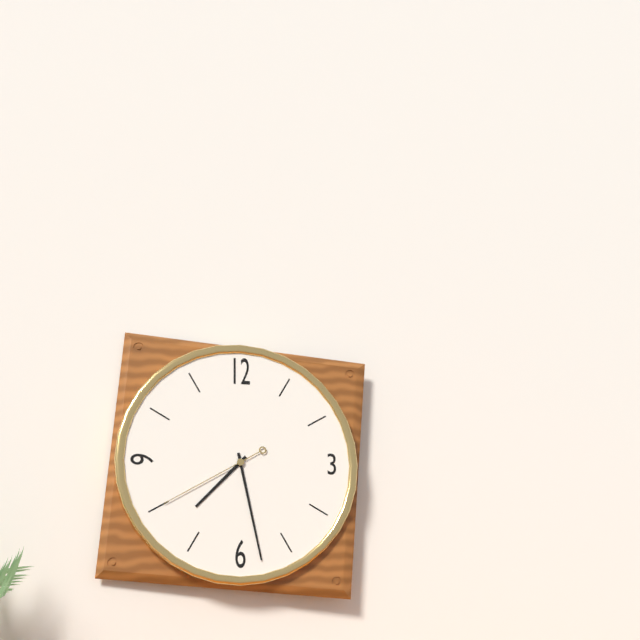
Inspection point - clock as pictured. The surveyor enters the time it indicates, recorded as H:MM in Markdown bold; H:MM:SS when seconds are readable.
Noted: **7:28:40**
